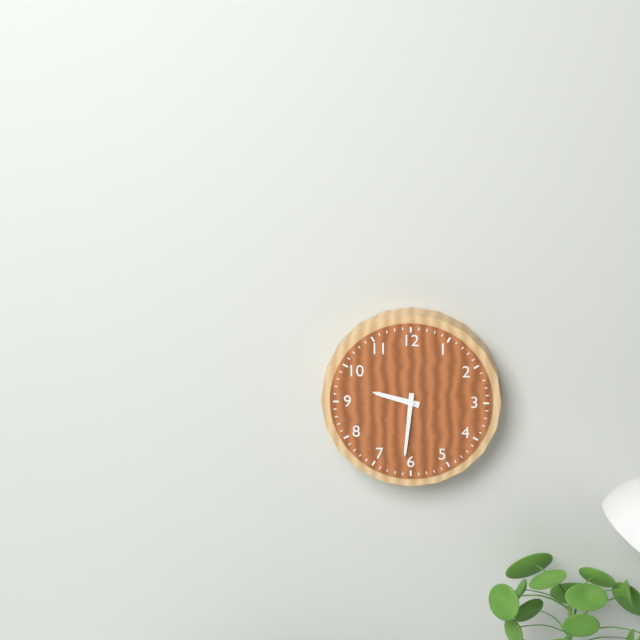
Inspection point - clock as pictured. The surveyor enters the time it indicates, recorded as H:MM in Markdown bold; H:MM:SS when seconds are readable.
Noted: **9:31**
